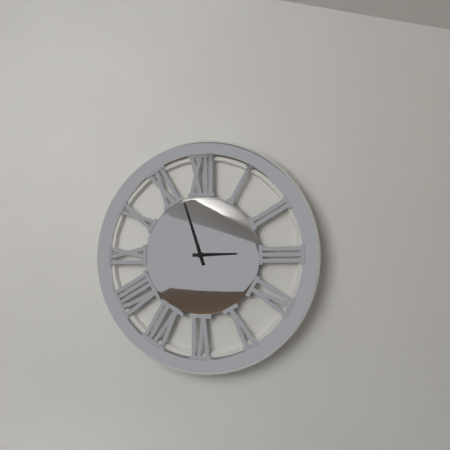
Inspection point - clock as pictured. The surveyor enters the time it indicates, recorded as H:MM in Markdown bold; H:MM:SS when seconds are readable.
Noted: **2:57**
